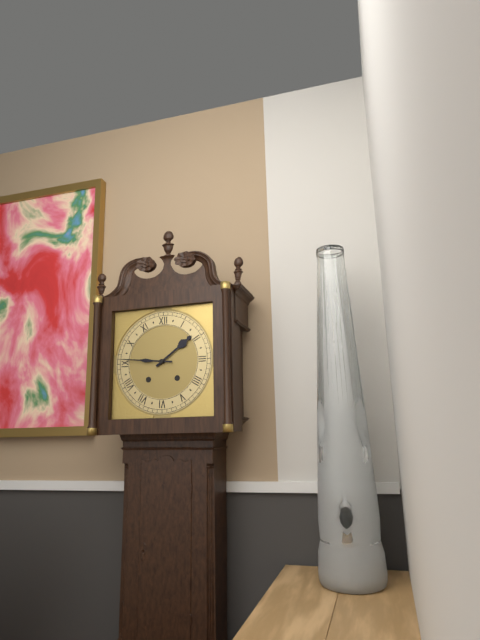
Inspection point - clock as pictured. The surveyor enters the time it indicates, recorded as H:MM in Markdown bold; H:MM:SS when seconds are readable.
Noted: **1:46**
